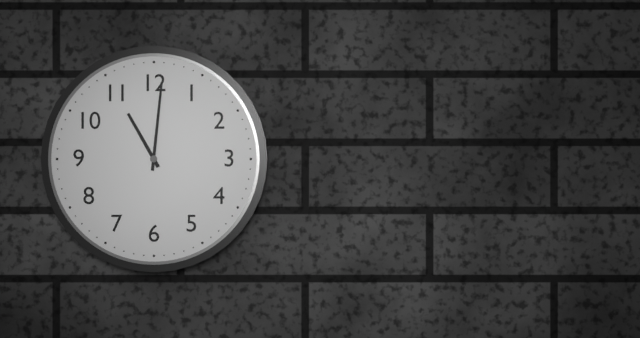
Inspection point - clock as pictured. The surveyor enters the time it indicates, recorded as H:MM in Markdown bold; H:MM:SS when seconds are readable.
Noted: **11:01**
